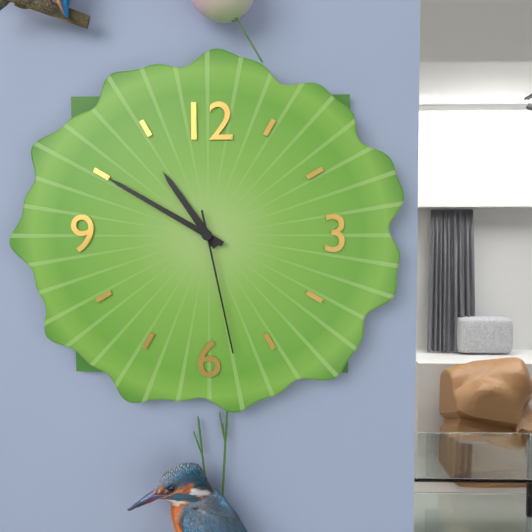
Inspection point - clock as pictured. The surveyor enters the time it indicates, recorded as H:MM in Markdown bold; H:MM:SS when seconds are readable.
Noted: **10:50:28**
